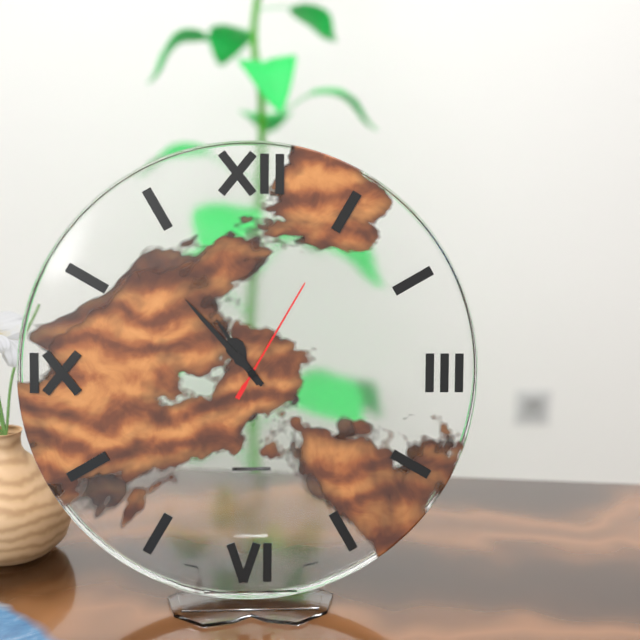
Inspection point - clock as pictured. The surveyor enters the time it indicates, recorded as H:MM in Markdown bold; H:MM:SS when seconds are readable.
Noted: **10:53:05**
